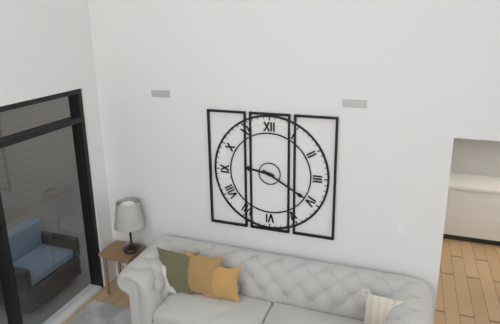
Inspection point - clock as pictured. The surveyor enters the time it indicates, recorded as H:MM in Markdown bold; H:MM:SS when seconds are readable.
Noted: **9:20**
